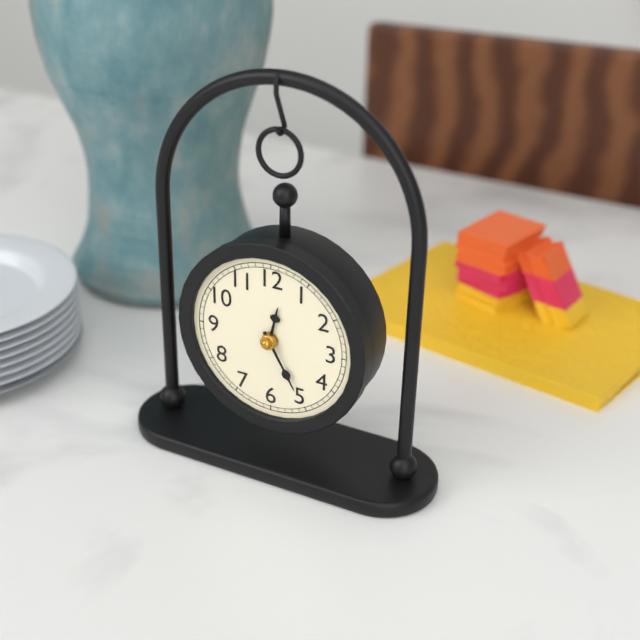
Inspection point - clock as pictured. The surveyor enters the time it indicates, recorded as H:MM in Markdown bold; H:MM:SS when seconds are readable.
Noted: **12:25**
